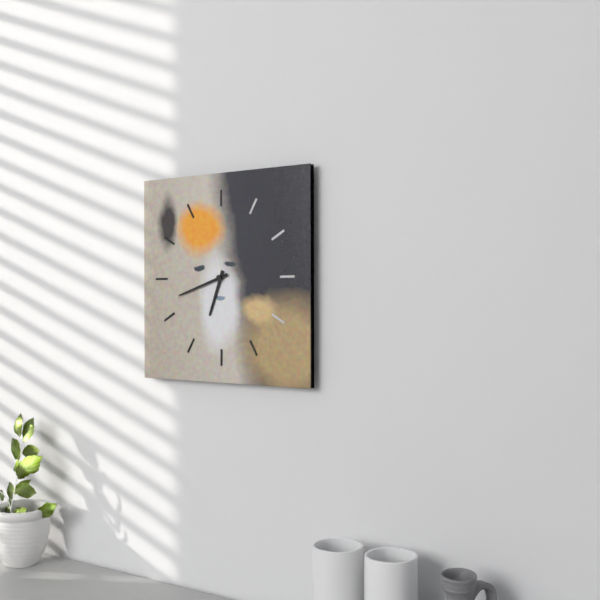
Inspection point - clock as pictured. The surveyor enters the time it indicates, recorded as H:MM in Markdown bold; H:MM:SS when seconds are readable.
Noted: **6:42**
